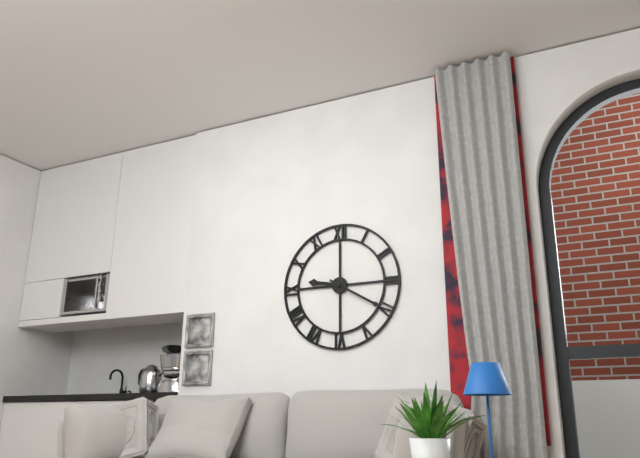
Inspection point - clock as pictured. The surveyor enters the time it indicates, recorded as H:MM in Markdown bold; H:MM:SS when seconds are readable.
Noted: **9:20**
